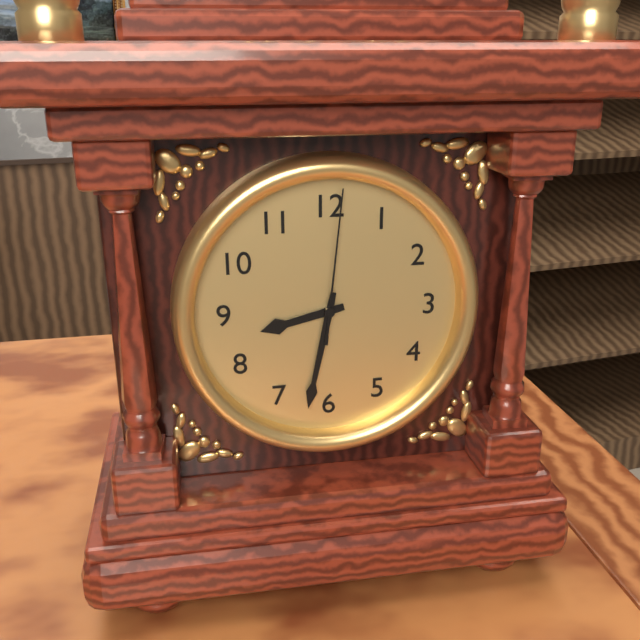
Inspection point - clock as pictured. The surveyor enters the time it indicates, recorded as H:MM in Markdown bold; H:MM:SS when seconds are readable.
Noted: **8:32:01**
